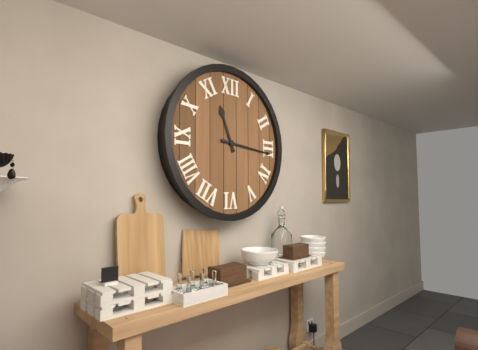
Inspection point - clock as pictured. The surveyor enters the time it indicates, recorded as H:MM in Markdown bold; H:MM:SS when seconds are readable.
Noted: **11:16**
